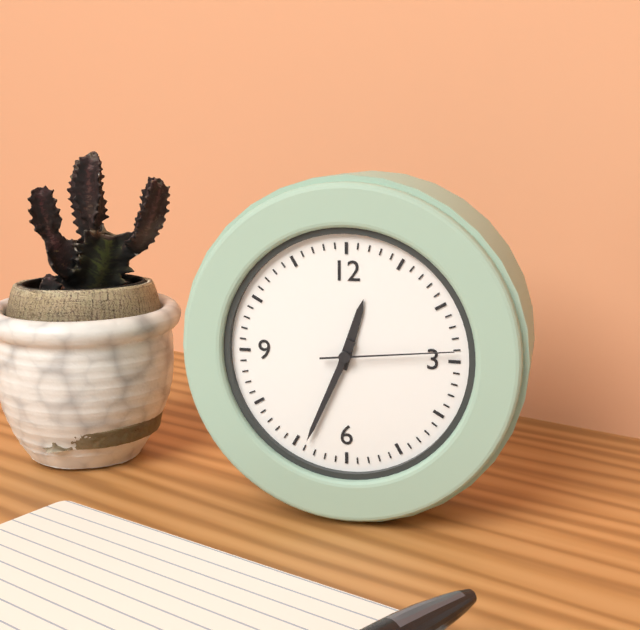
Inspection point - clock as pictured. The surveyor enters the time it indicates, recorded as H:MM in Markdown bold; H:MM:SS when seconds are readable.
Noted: **12:34:14**
